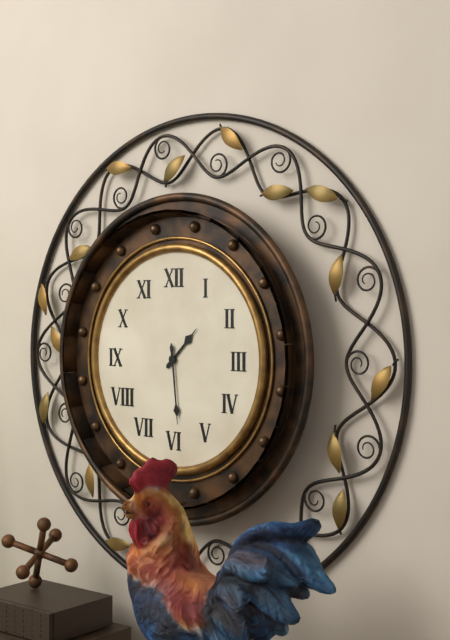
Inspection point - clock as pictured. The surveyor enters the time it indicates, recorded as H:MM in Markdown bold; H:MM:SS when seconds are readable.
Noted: **1:29**
